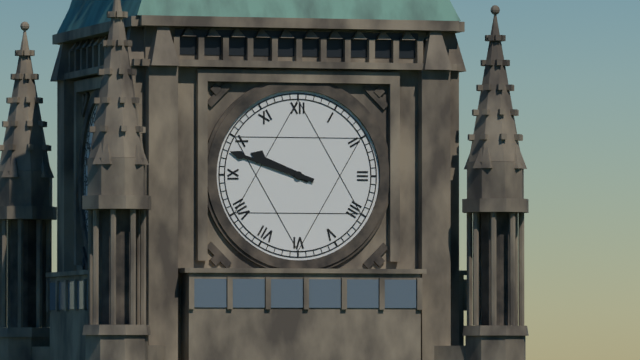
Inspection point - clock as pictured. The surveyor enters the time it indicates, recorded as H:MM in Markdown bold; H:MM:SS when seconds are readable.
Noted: **9:48**
